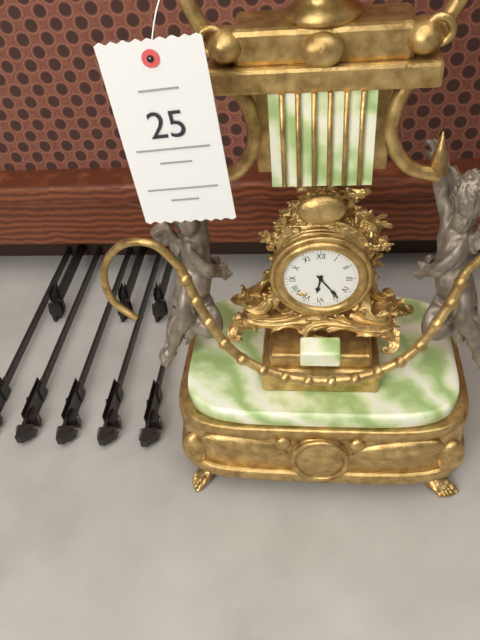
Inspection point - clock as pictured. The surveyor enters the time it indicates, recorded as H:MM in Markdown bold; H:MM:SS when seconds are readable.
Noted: **6:24**
